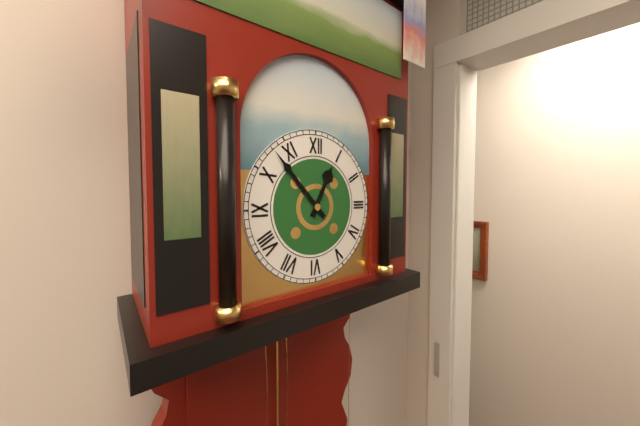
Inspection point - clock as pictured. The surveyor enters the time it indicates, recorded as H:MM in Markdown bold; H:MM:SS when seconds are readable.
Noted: **12:53**
